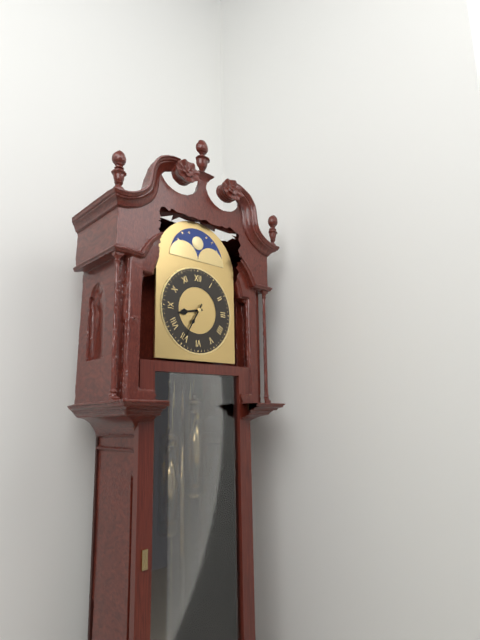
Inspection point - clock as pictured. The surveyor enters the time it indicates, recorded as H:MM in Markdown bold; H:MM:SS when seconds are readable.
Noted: **8:35**
